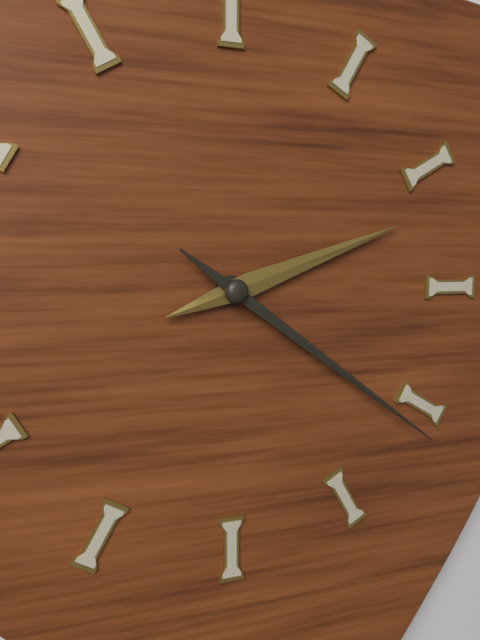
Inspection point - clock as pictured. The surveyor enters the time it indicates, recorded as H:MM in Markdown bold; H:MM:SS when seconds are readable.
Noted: **2:21**
